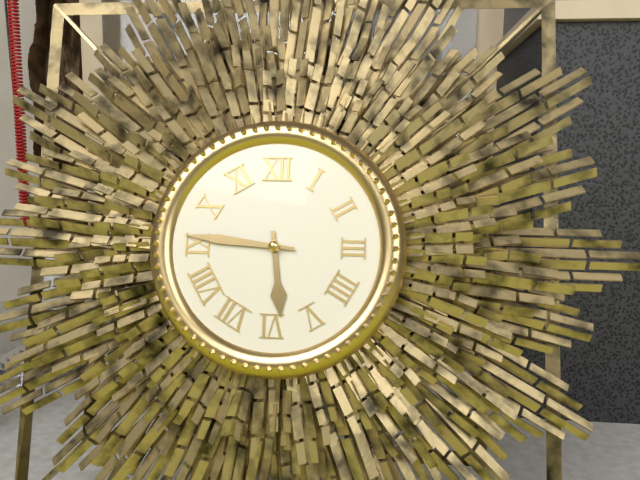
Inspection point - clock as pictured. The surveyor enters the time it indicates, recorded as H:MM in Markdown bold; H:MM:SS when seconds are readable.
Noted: **5:46**
